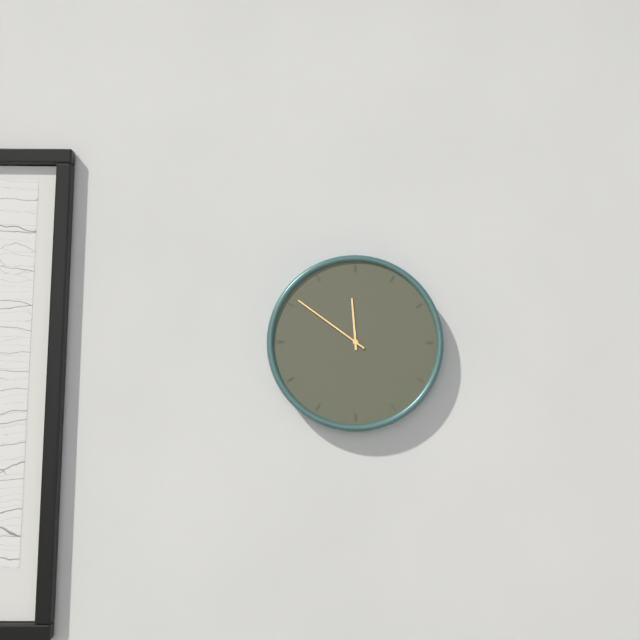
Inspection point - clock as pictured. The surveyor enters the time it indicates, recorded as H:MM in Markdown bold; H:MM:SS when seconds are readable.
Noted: **11:51**
